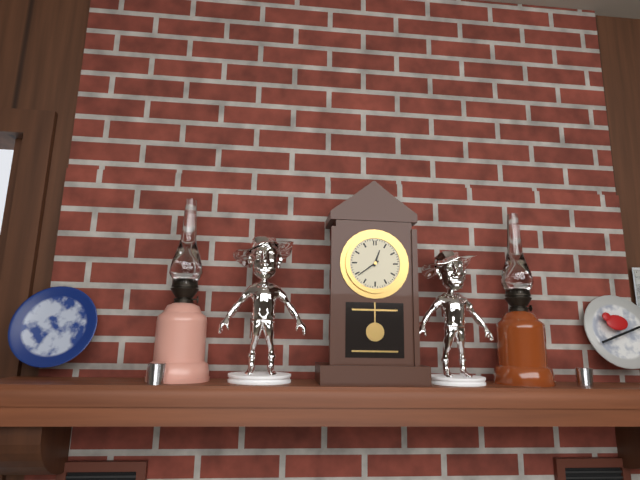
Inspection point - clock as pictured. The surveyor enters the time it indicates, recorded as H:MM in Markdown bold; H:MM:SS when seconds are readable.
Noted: **12:39**
